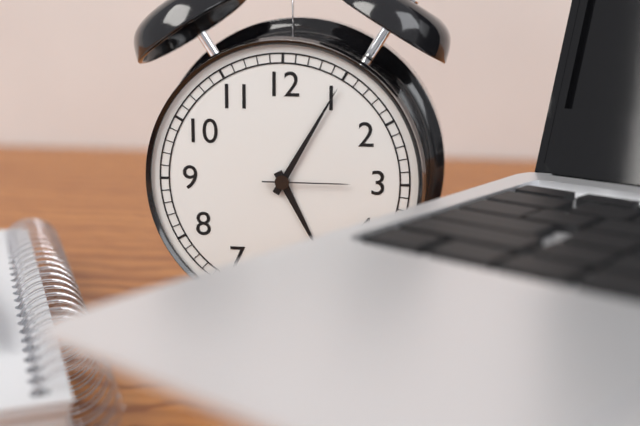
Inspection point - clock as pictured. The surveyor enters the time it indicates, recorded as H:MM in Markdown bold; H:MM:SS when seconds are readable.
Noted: **5:05:15**
